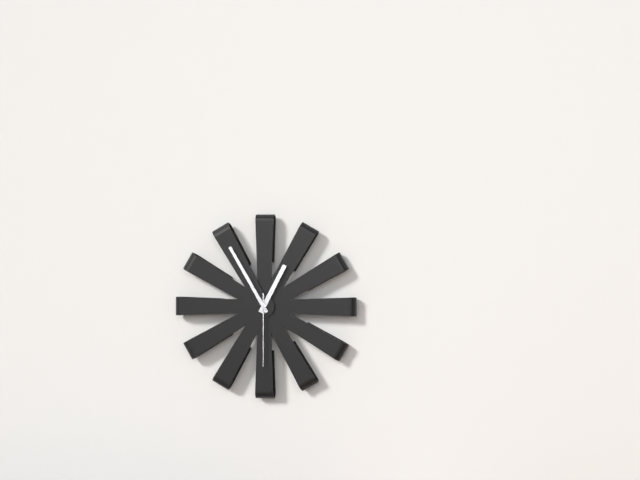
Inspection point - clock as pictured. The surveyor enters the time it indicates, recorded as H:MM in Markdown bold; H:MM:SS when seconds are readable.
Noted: **12:55:30**
